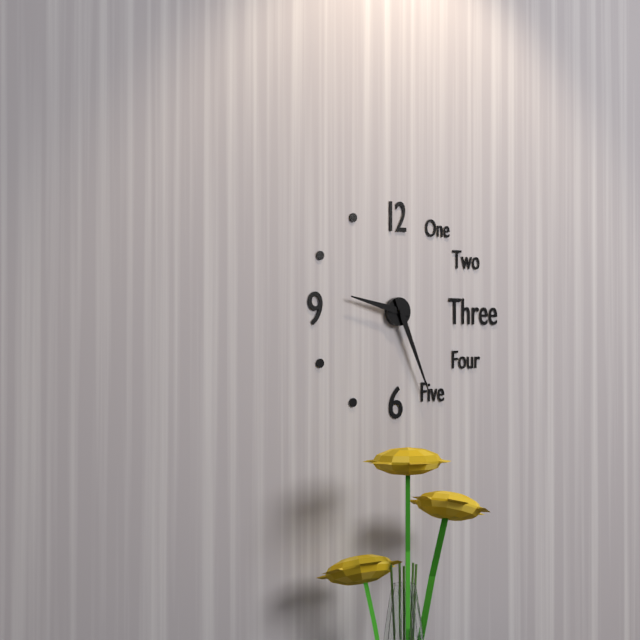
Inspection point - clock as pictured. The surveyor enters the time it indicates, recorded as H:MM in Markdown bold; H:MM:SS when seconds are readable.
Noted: **9:26**
